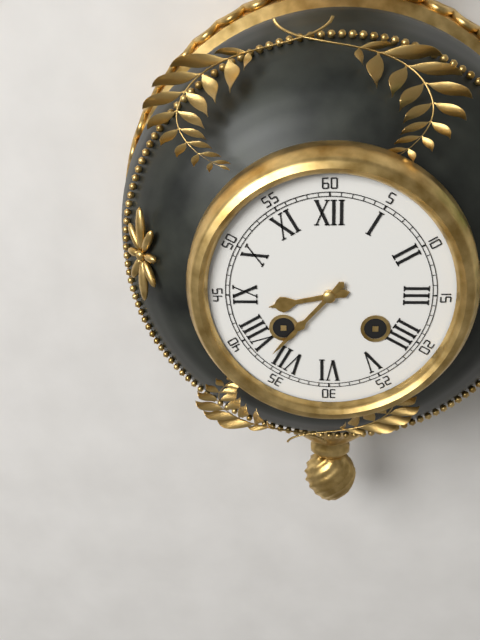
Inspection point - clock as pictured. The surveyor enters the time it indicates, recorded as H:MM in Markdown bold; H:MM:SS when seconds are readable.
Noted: **8:37**
